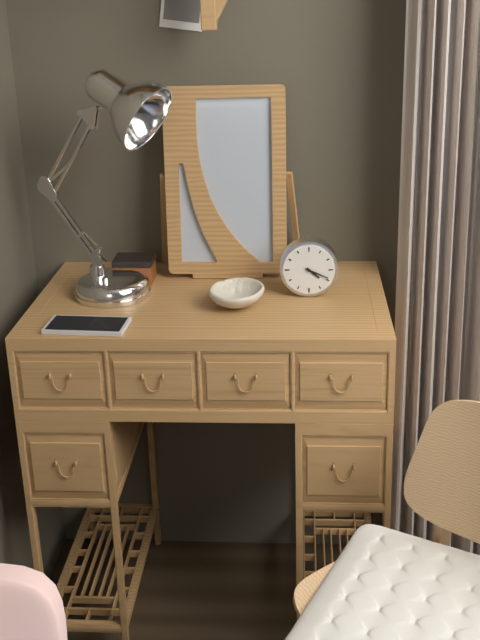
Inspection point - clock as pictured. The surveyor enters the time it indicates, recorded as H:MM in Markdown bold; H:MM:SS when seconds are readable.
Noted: **4:19**
